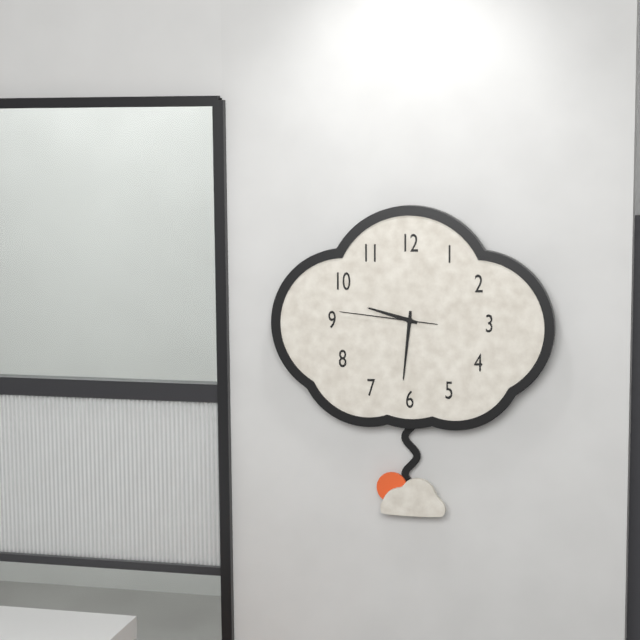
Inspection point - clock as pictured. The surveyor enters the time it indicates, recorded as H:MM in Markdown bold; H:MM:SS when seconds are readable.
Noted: **9:31:46**
